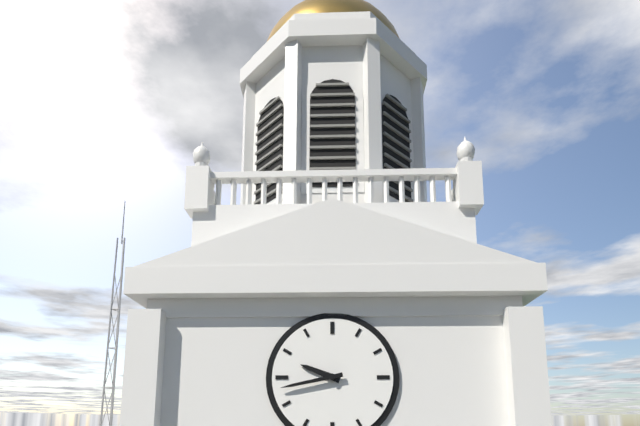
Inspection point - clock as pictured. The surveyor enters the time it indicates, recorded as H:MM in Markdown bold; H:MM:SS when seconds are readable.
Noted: **9:43**
